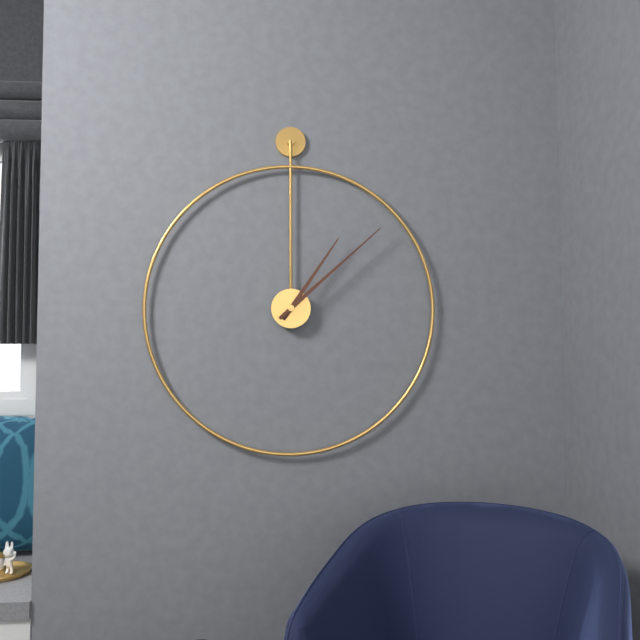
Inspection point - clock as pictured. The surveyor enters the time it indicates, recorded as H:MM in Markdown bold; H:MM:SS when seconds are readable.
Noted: **1:08**
